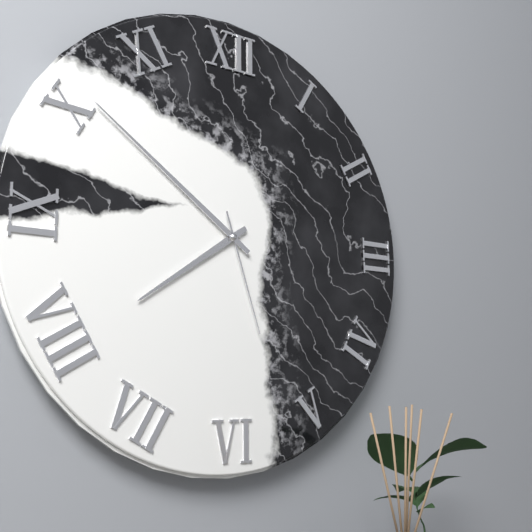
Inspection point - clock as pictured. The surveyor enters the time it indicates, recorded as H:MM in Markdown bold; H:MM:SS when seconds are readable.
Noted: **7:51:27**
